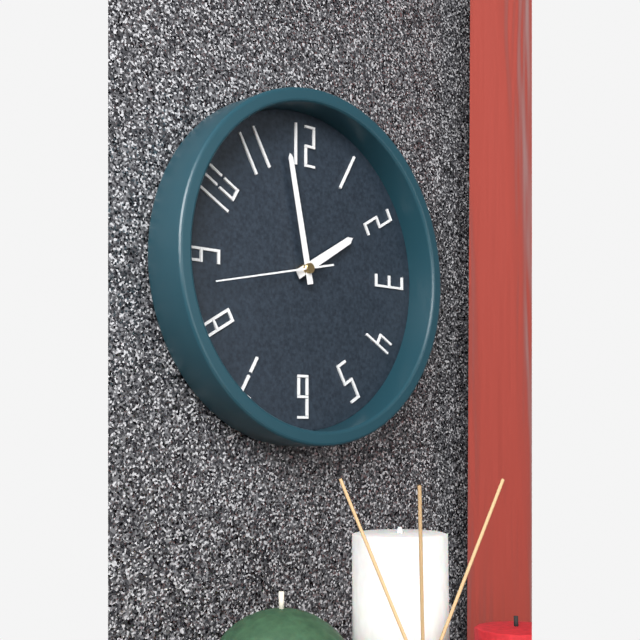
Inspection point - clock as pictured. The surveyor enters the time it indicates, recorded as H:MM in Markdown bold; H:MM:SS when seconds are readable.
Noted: **1:58:43**
